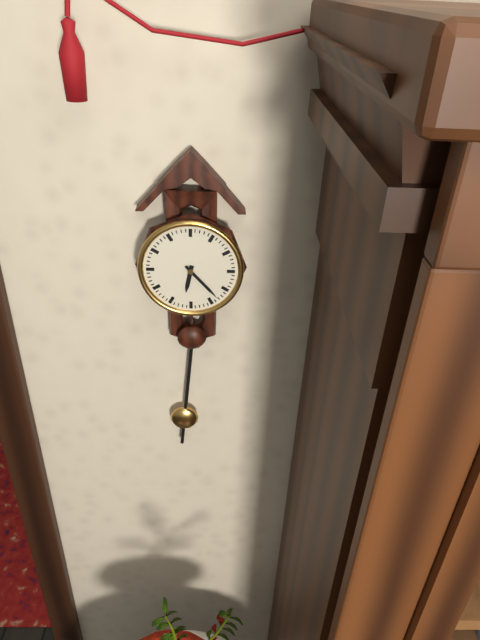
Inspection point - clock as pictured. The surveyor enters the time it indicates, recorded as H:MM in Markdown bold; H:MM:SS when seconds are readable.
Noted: **6:23**
